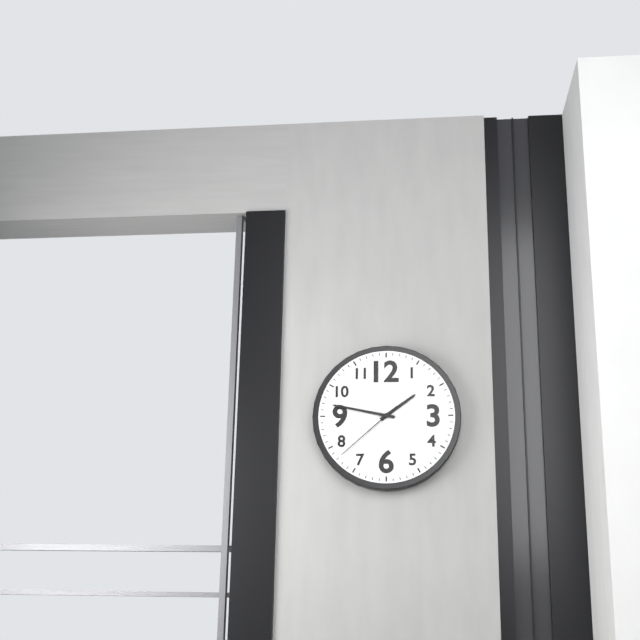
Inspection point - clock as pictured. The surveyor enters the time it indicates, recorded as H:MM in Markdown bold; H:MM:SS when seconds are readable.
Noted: **1:47:38**
